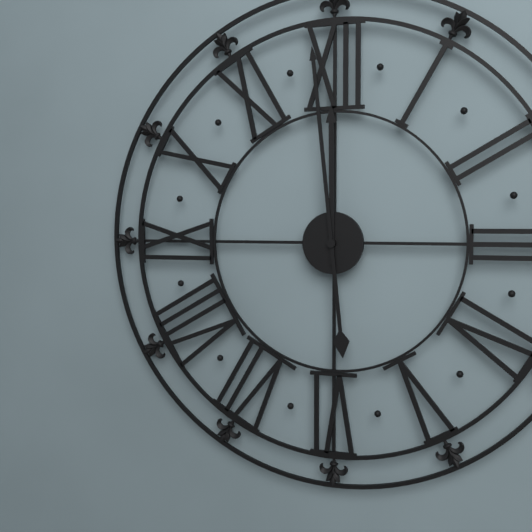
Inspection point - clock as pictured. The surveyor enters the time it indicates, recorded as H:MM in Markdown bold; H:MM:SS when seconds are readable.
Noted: **11:59**
